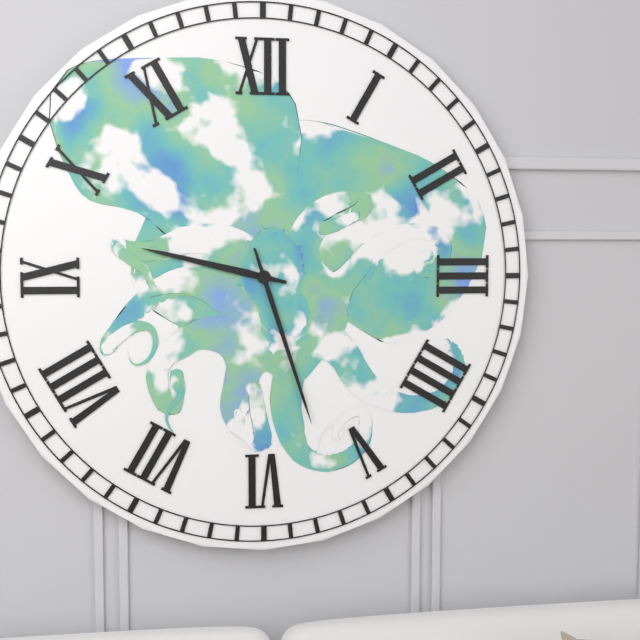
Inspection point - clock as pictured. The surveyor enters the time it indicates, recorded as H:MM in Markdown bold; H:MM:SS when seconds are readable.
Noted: **9:27**
